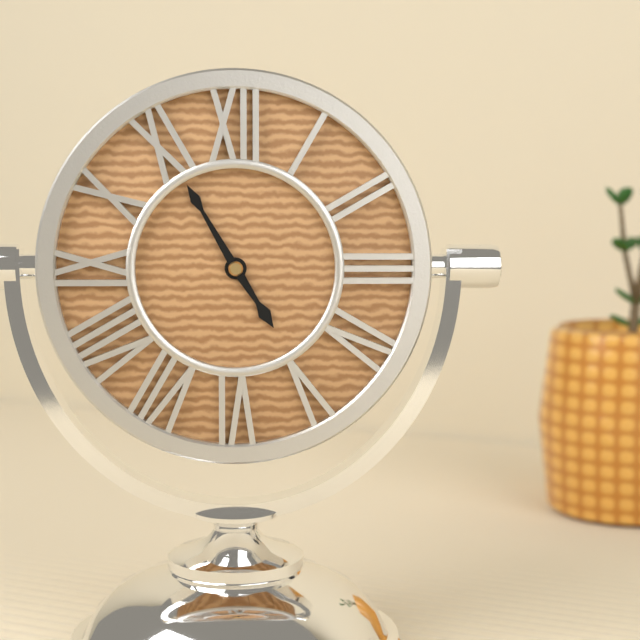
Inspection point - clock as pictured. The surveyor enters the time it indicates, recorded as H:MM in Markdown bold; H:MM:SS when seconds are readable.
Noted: **4:55**
